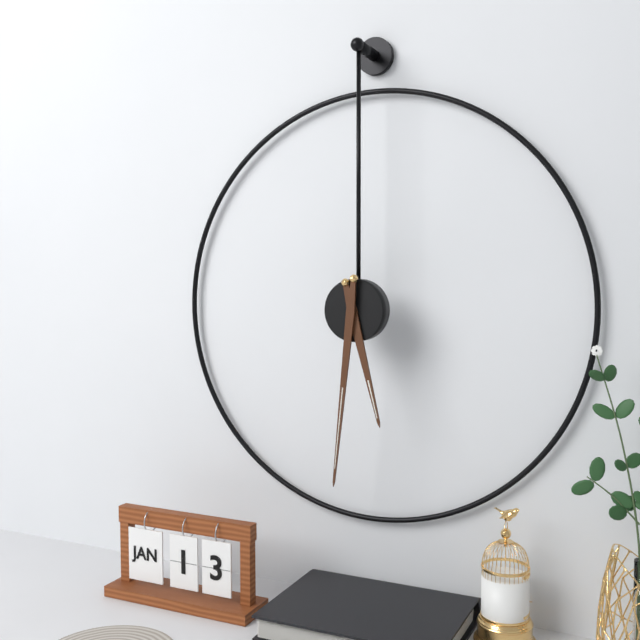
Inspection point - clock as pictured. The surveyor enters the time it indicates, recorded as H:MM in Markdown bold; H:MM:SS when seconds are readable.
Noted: **5:31**
